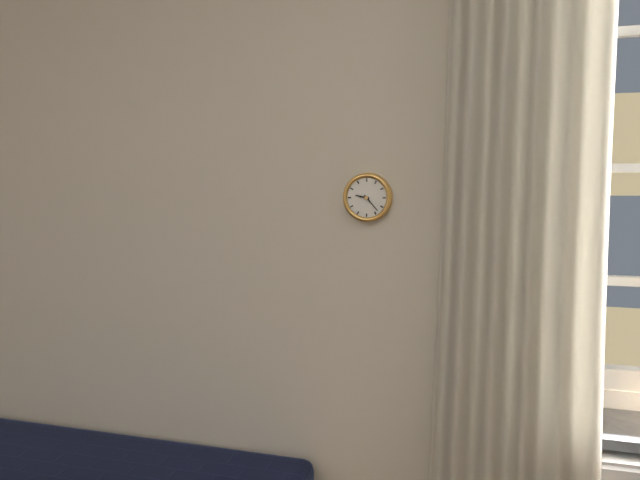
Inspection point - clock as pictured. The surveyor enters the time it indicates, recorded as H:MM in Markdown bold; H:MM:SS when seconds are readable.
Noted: **9:23**
